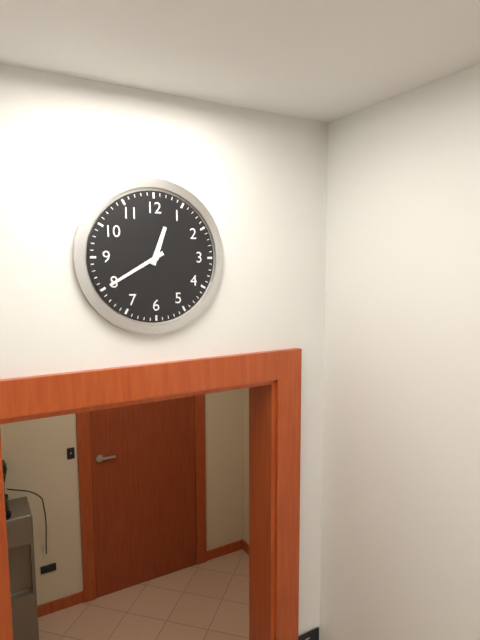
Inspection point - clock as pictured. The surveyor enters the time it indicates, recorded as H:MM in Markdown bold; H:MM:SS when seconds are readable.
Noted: **12:40**
